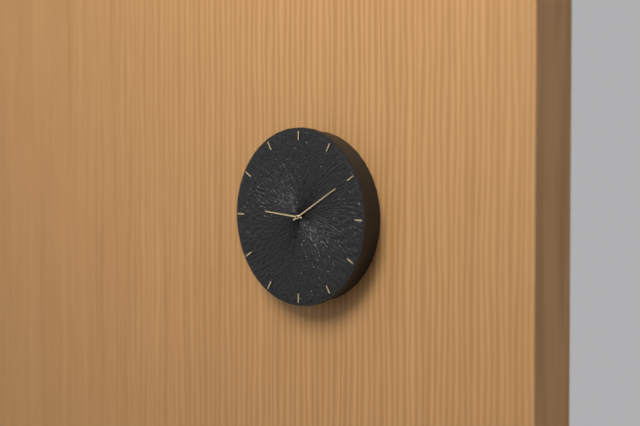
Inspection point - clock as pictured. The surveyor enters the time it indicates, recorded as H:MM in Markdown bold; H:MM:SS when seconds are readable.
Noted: **9:10**
